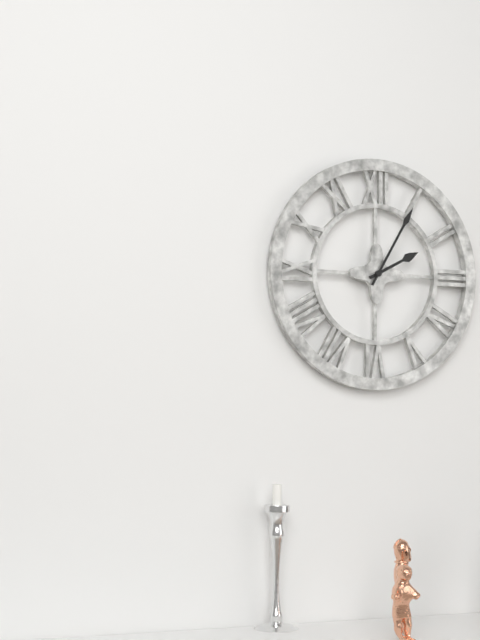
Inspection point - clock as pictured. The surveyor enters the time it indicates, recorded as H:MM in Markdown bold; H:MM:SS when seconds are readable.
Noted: **2:05**
